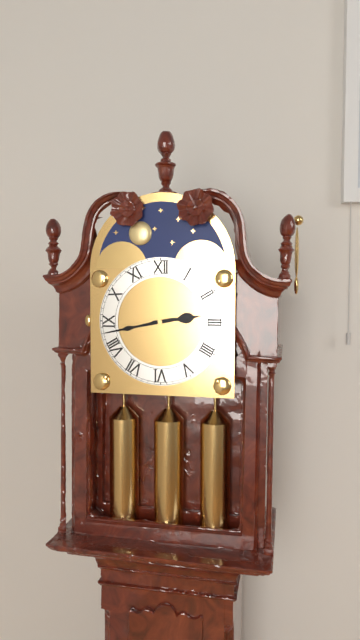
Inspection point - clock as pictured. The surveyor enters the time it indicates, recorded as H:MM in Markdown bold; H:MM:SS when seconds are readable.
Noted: **2:43**
